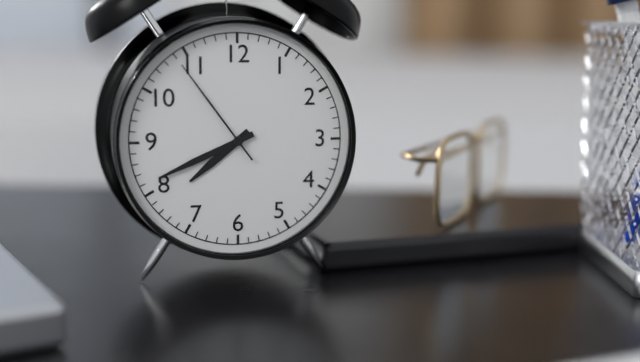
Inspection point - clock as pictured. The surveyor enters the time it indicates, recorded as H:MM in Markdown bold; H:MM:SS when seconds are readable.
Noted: **7:41:54**
